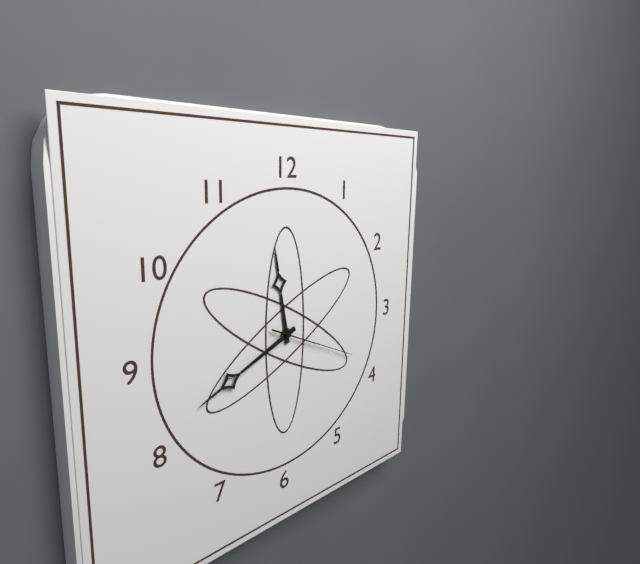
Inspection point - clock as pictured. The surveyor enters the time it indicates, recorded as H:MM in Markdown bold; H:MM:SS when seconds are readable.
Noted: **11:41:19**
